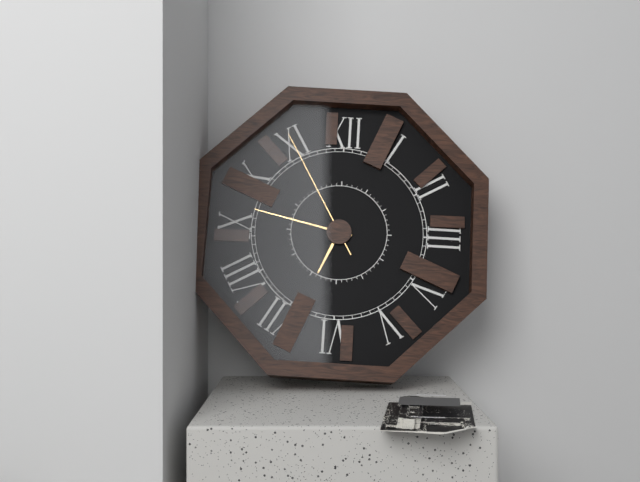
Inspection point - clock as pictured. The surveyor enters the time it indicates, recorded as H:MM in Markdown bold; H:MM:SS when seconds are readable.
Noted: **6:47:55**
